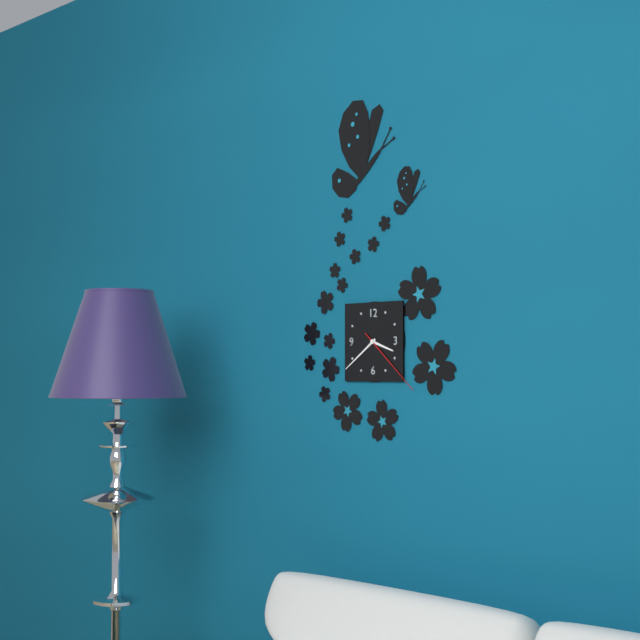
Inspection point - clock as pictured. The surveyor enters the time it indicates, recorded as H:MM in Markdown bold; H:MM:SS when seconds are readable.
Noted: **3:39:22**
